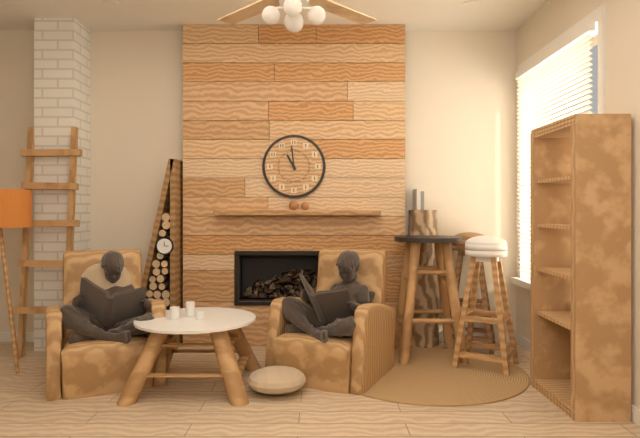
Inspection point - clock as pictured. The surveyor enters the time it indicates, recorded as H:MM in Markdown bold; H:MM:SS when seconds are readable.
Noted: **10:59**
